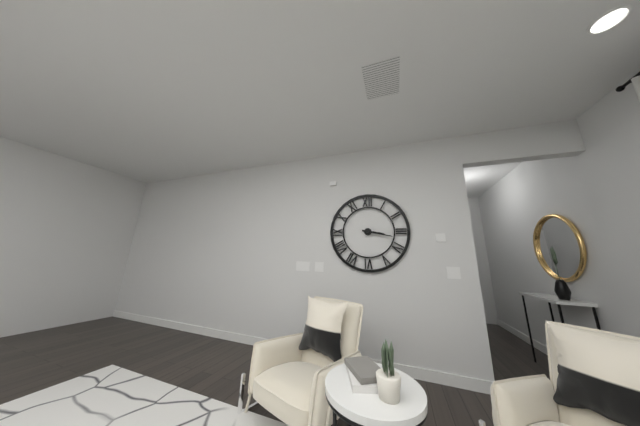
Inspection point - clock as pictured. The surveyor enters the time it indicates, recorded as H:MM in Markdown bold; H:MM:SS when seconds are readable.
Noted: **3:17**
